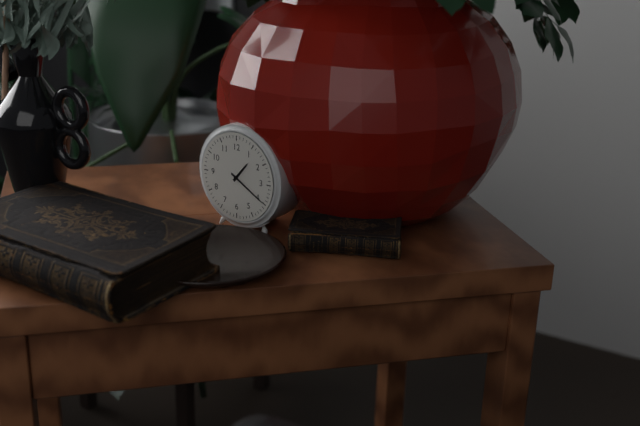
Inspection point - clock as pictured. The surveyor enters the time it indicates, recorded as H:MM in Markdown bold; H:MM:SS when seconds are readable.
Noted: **1:20**
